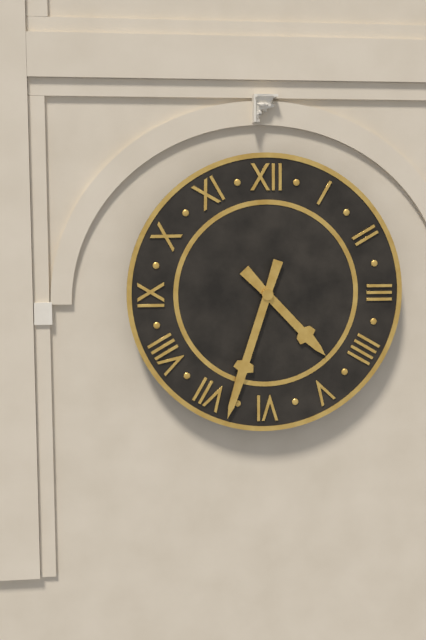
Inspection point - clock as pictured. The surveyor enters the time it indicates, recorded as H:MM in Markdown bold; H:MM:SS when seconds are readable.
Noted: **4:33**
